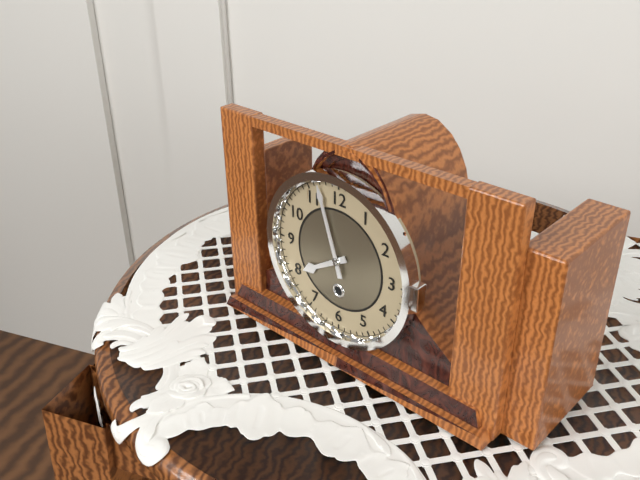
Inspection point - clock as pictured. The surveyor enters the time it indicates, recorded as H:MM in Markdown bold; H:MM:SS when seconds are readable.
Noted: **7:57**
